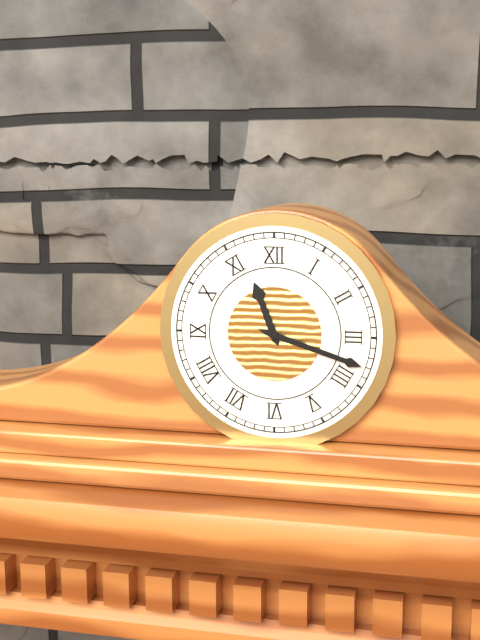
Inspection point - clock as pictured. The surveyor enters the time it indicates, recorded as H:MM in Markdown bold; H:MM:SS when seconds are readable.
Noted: **11:18**
